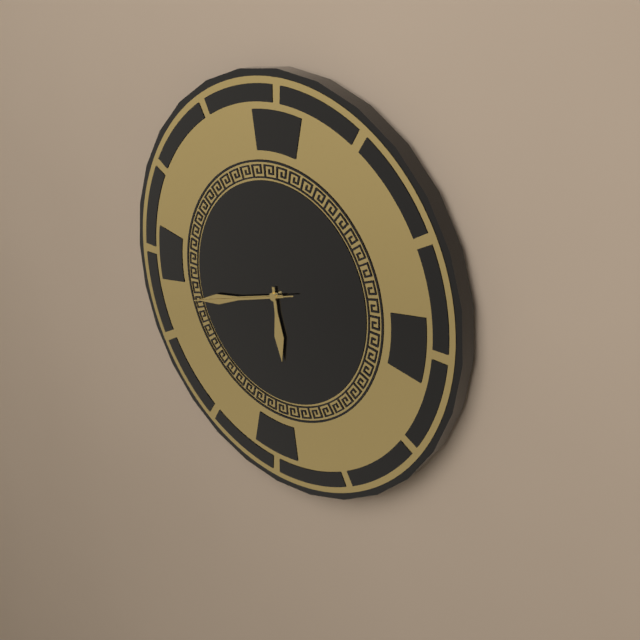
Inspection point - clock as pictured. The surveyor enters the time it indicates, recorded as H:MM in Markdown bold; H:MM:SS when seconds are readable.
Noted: **5:42:42**
